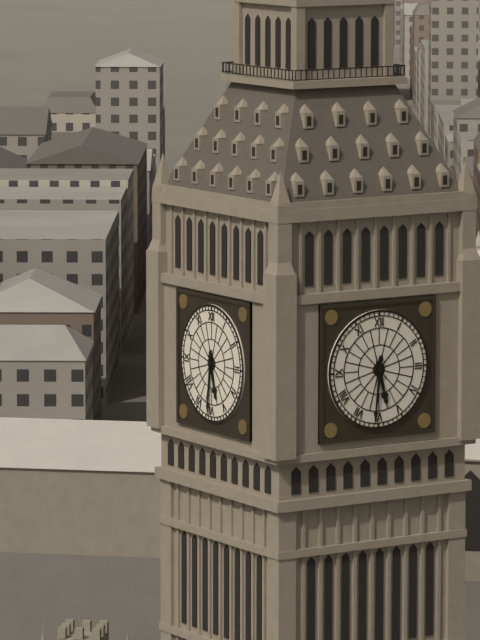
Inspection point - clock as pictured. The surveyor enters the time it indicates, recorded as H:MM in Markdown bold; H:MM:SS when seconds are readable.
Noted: **5:31**
